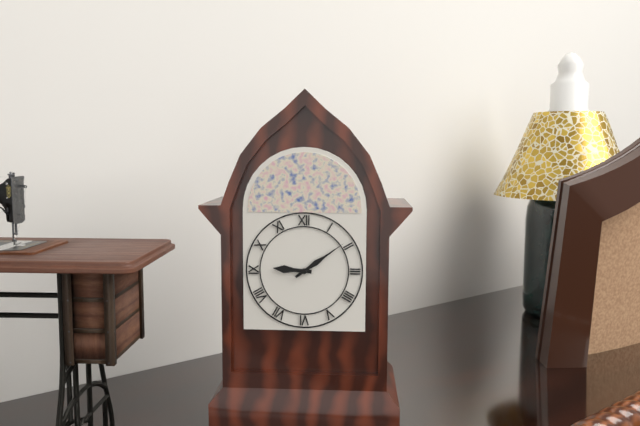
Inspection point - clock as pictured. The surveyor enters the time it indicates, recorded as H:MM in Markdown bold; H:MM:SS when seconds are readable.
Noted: **9:09**
